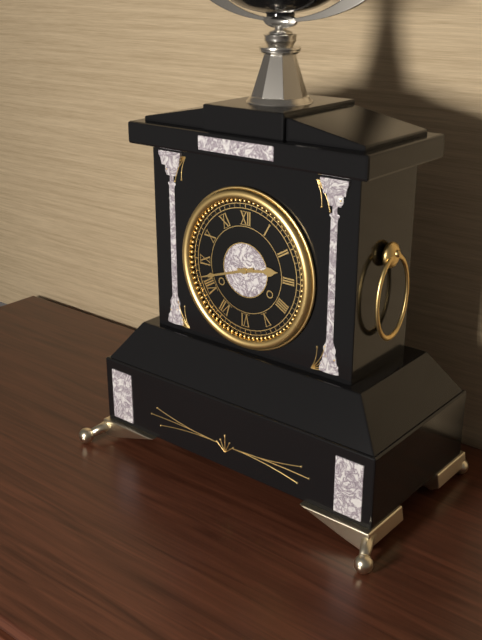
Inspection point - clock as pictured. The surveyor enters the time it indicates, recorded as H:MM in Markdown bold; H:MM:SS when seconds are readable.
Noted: **2:42**
